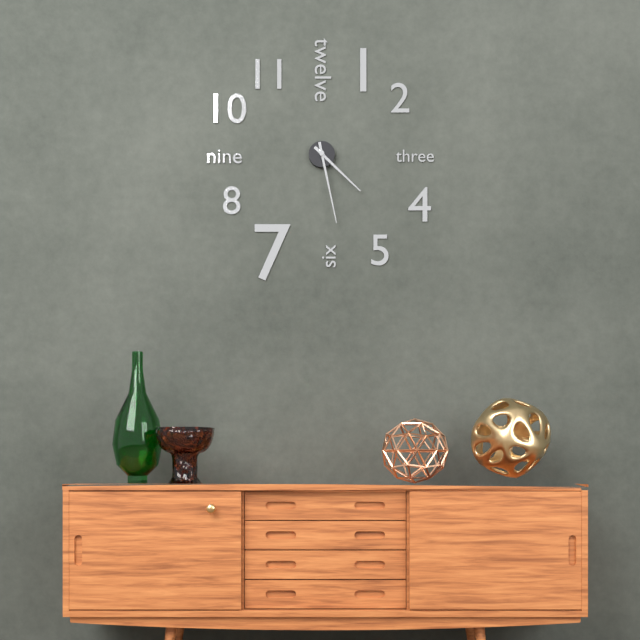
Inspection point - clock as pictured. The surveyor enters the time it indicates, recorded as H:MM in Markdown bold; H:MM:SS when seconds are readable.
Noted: **4:28**
